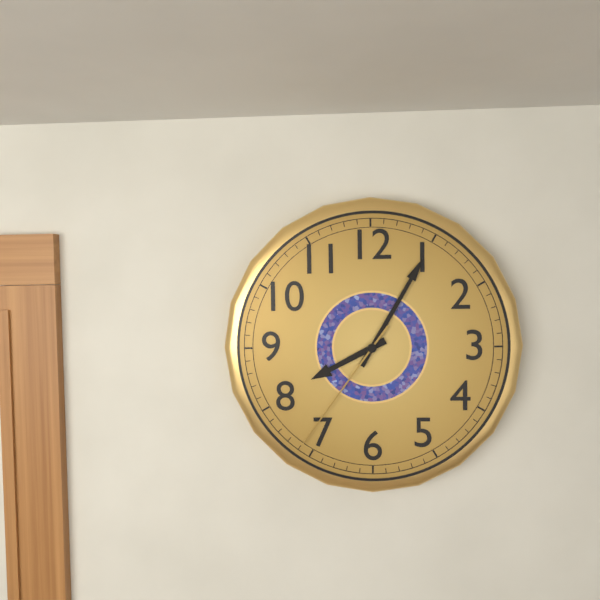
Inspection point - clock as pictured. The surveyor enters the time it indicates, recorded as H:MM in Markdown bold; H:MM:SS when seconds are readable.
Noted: **8:05:36**
